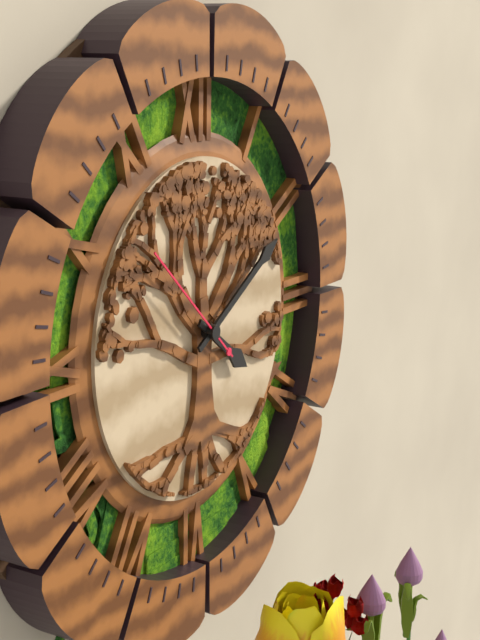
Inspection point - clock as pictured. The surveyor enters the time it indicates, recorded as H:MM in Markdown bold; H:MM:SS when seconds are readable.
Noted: **4:10:52**
